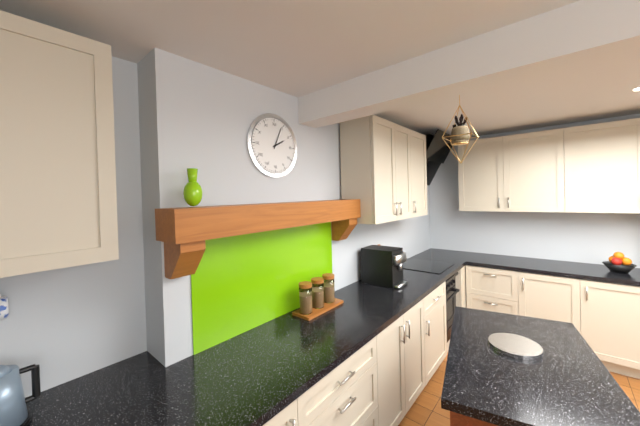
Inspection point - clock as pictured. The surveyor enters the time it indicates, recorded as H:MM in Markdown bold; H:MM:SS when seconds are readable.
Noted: **2:04**
